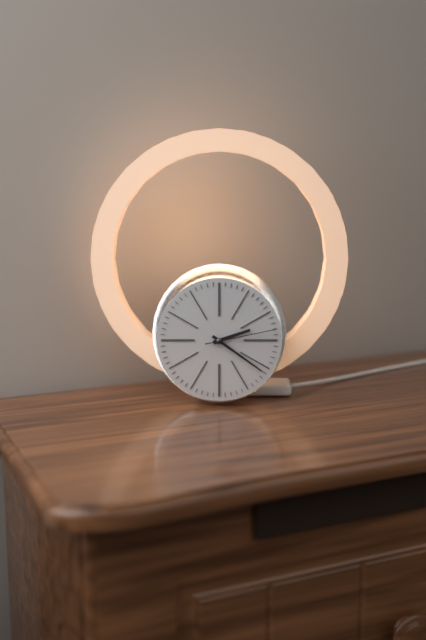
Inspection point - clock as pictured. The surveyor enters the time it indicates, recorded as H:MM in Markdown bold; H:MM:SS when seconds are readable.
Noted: **2:21:13**
